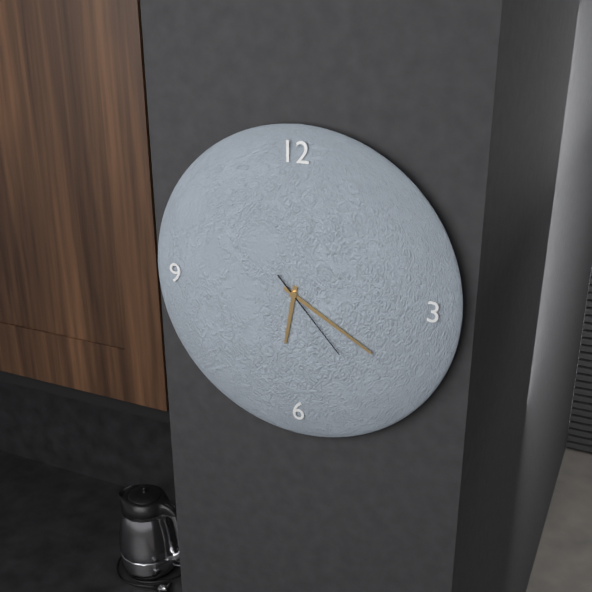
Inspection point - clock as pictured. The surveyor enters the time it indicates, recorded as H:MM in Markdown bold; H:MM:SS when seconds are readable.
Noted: **6:20:23**
